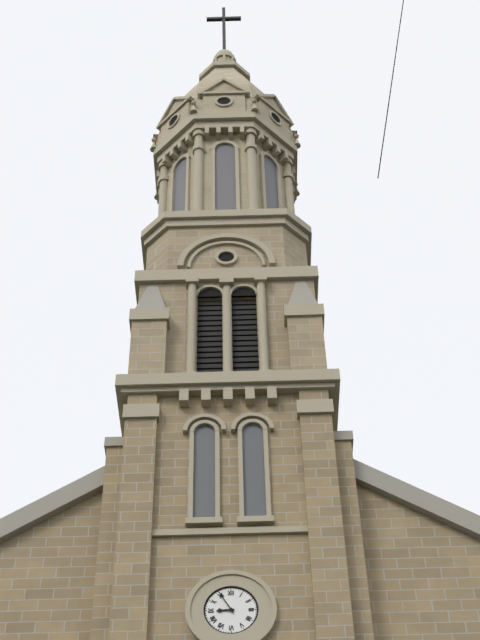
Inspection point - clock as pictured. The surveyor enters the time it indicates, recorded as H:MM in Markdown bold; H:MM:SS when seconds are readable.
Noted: **8:55**
